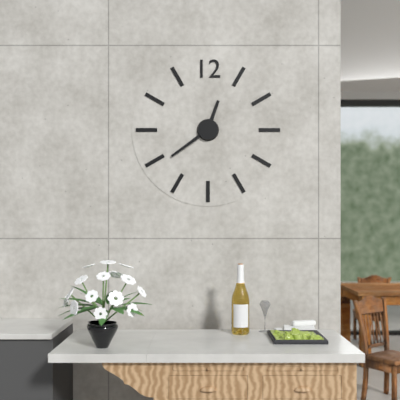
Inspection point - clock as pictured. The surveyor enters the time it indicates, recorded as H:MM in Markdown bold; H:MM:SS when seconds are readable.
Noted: **12:39**
